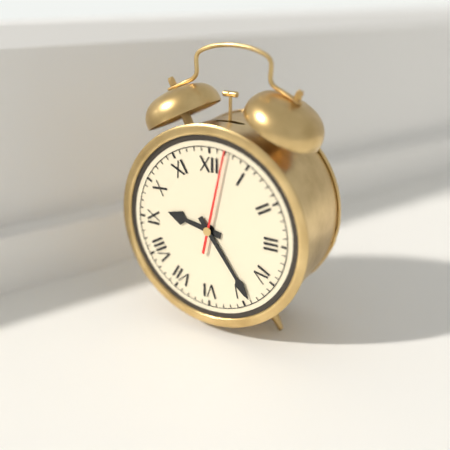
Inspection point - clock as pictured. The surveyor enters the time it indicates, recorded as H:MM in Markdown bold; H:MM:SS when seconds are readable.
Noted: **9:24:02**
